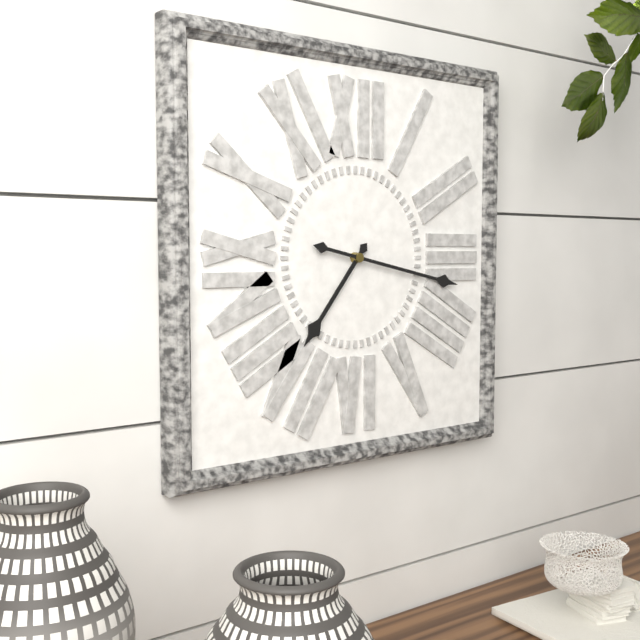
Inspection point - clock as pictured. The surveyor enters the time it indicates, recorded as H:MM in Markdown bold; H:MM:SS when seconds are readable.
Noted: **7:17**
